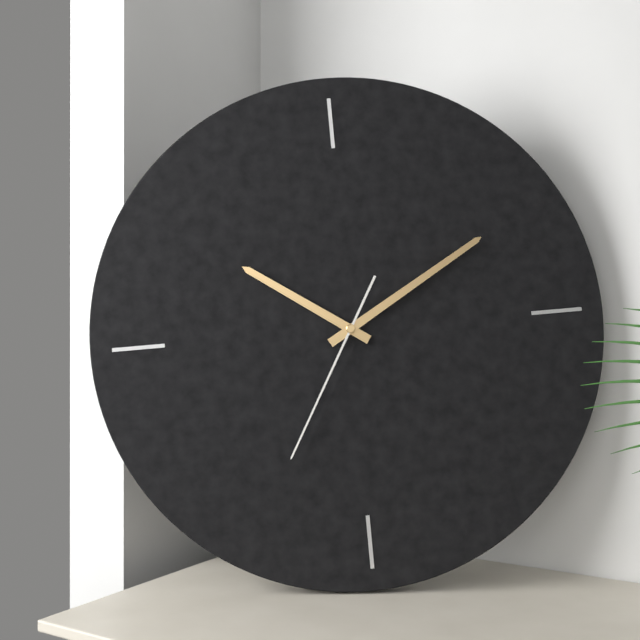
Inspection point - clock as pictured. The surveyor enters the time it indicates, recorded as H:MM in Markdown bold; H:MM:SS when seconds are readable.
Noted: **10:10:35**
